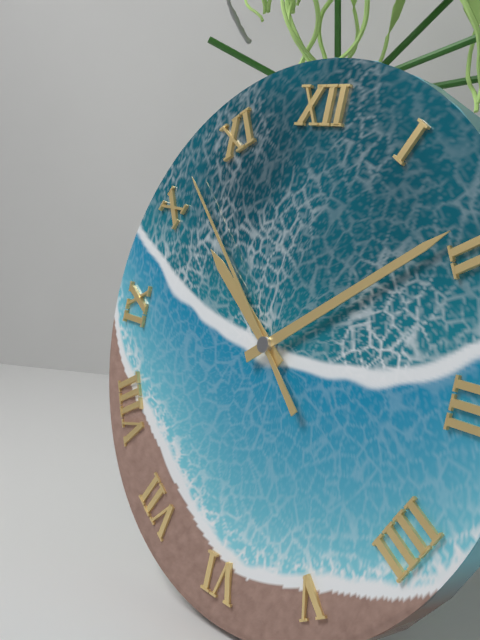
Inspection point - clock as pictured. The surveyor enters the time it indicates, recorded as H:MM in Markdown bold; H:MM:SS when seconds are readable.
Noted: **10:09:52**
